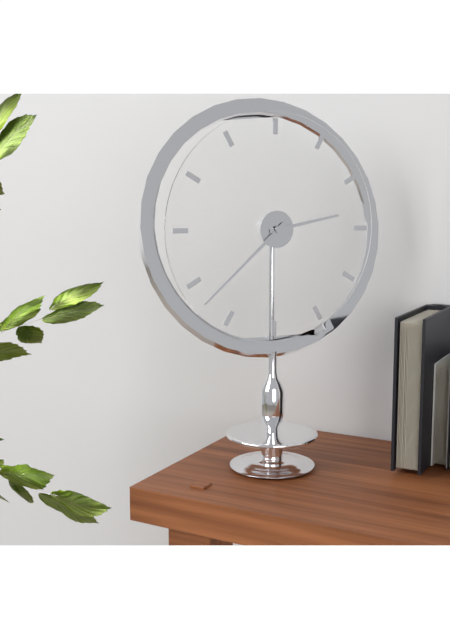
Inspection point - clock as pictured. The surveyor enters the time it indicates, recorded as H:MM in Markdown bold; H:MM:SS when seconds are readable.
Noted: **2:38**
